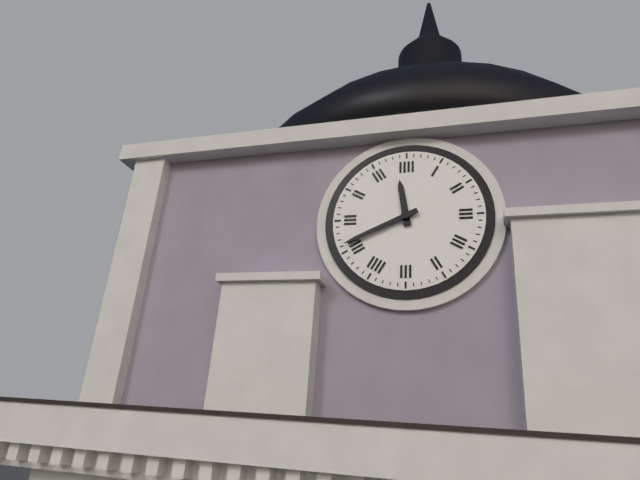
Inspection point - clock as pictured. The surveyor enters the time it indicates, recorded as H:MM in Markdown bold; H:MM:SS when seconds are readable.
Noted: **11:41**
